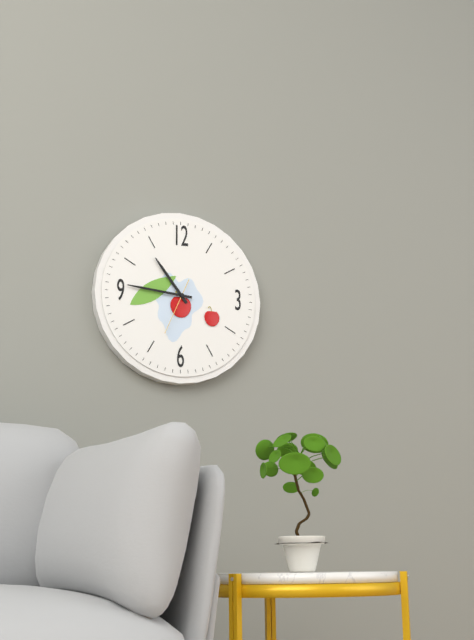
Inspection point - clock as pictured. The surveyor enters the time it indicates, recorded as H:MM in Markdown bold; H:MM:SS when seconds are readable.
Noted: **10:46:34**
